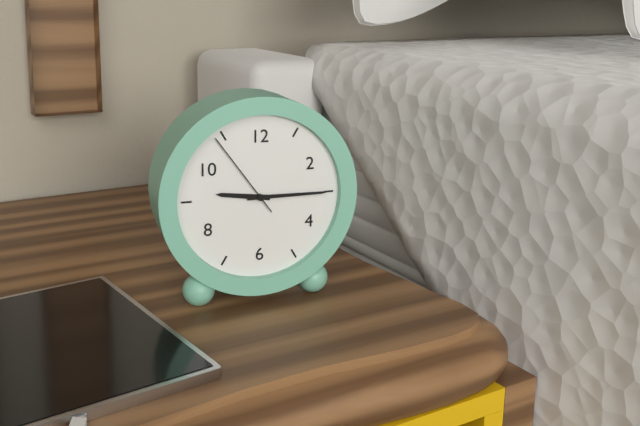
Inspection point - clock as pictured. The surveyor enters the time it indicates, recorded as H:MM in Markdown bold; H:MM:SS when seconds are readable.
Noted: **9:15:54**
